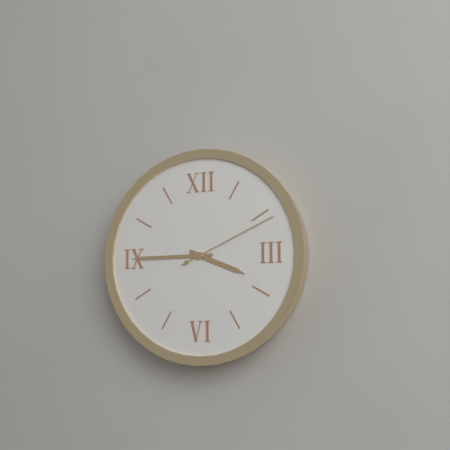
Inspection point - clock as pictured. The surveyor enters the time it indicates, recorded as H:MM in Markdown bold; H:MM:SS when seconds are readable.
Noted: **3:45:11**
